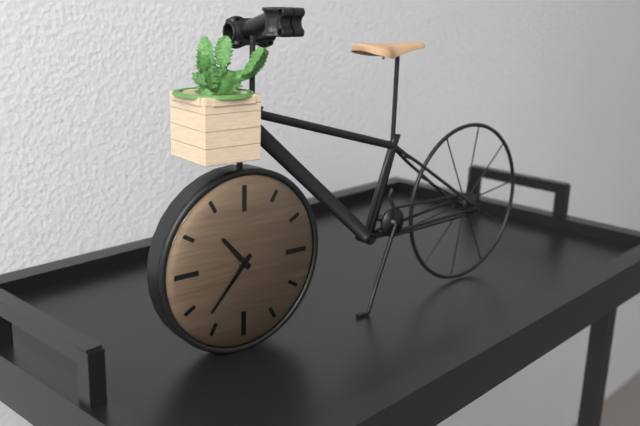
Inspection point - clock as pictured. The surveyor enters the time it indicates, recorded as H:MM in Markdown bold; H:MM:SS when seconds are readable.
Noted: **10:37**
